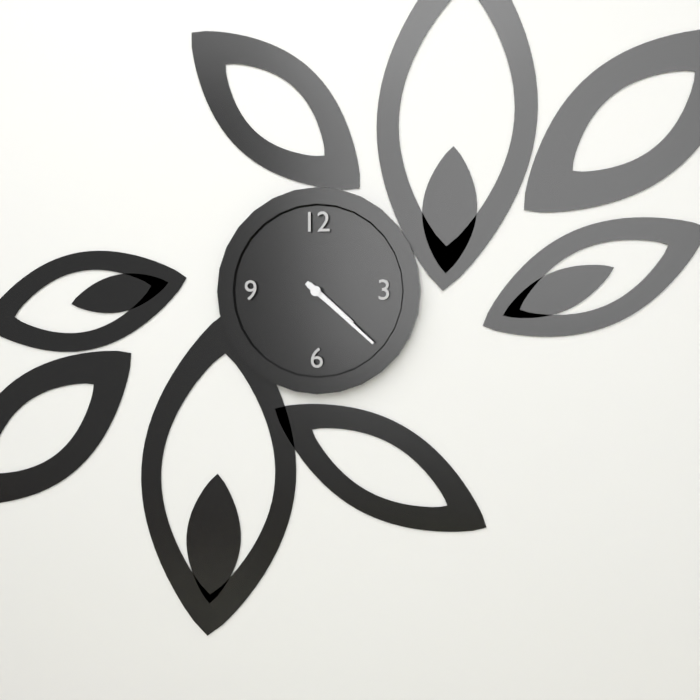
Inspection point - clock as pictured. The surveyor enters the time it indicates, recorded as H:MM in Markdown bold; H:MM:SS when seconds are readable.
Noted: **4:22**
